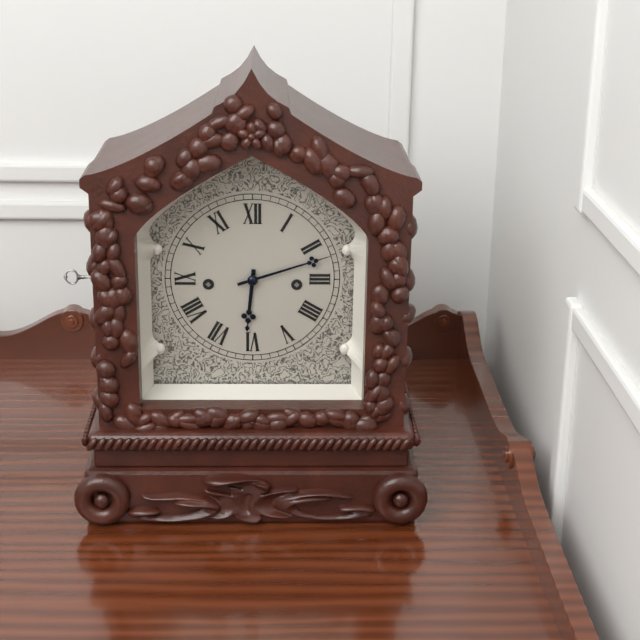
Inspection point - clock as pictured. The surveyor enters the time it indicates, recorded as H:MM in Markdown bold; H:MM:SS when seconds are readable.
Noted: **6:12**
